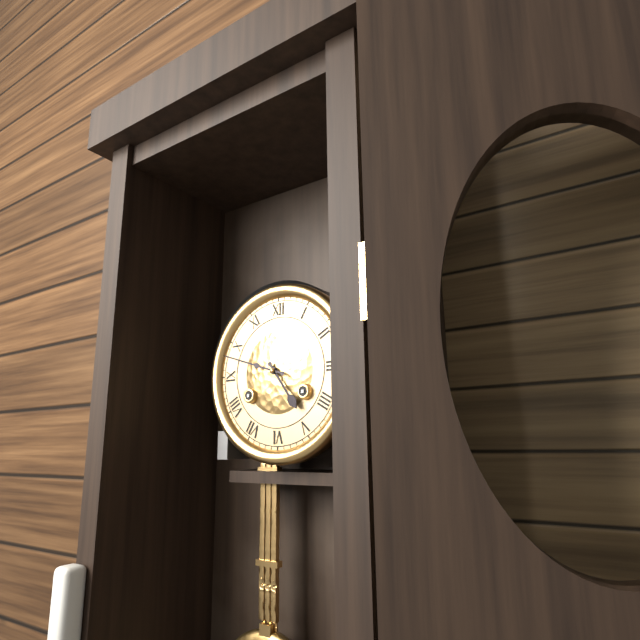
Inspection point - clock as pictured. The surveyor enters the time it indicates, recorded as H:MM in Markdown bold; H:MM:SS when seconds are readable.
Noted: **4:48**
